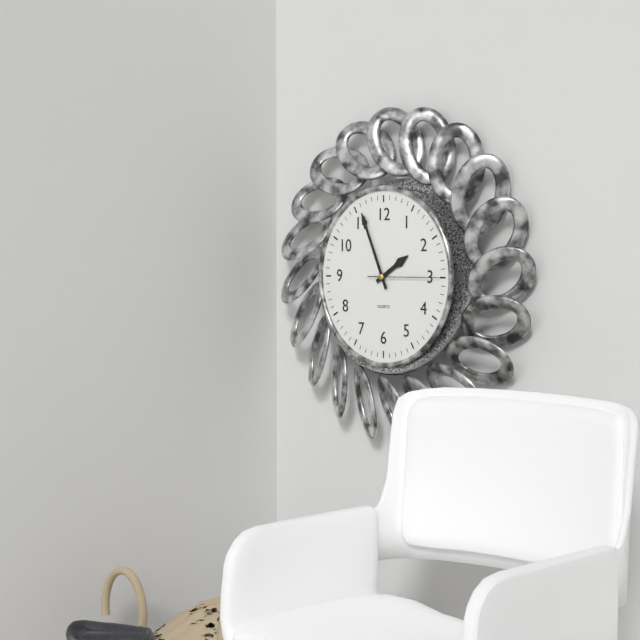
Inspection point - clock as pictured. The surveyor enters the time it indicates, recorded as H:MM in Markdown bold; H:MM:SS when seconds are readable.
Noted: **1:56:15**
